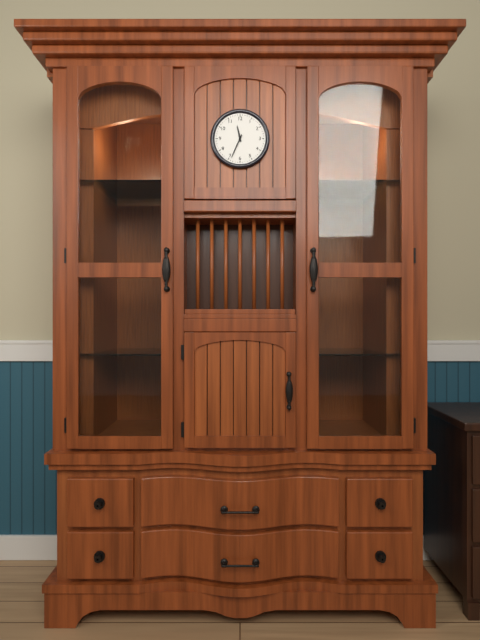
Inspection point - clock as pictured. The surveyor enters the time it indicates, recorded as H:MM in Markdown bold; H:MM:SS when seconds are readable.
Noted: **11:34**
